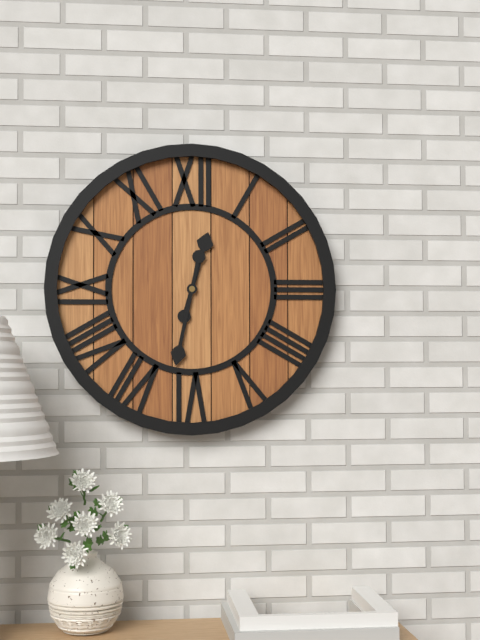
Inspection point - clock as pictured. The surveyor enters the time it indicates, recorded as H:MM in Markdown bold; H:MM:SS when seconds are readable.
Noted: **12:32**
